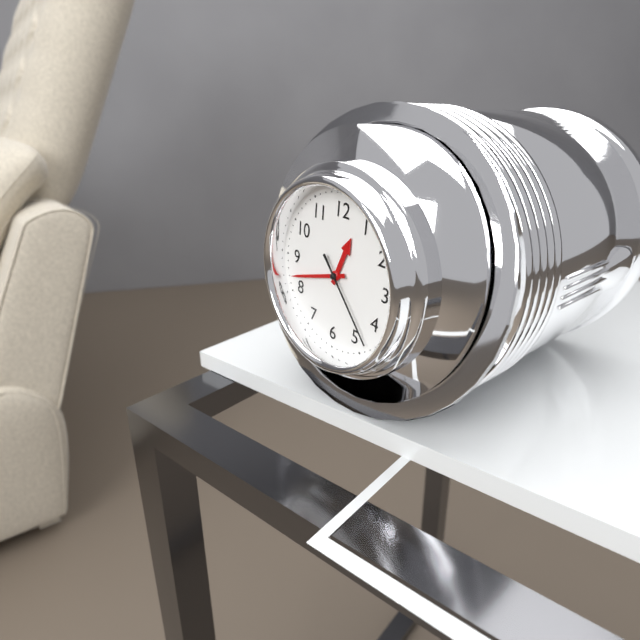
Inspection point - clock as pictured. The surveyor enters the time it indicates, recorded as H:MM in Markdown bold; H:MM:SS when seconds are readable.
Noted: **12:42:23**
